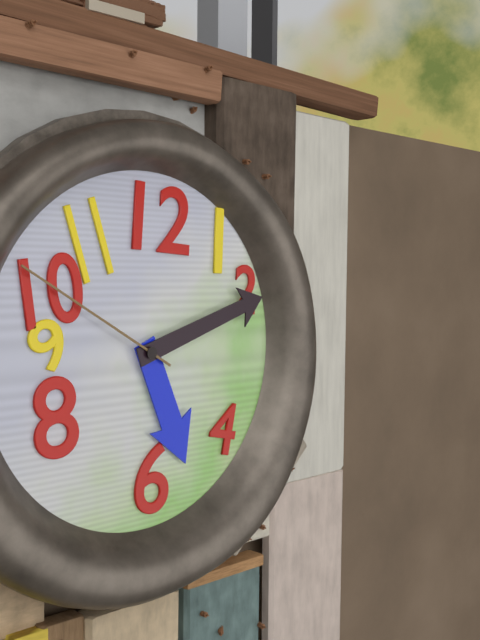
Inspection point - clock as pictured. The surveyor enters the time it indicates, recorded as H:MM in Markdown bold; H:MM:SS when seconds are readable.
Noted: **5:12:50**
